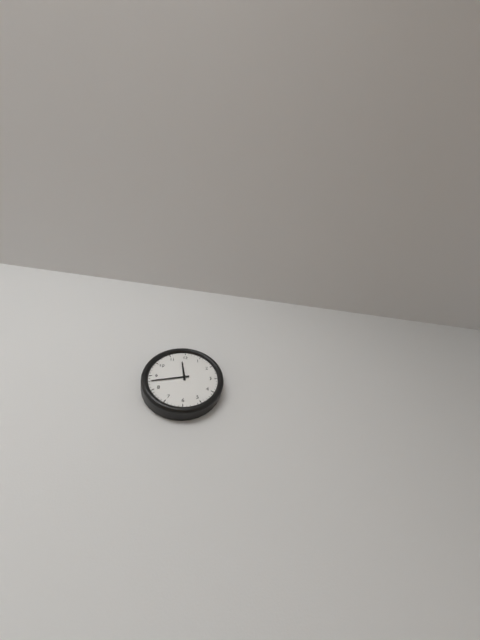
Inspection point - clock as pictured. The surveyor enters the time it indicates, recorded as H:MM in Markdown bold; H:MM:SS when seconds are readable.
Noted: **11:43**
